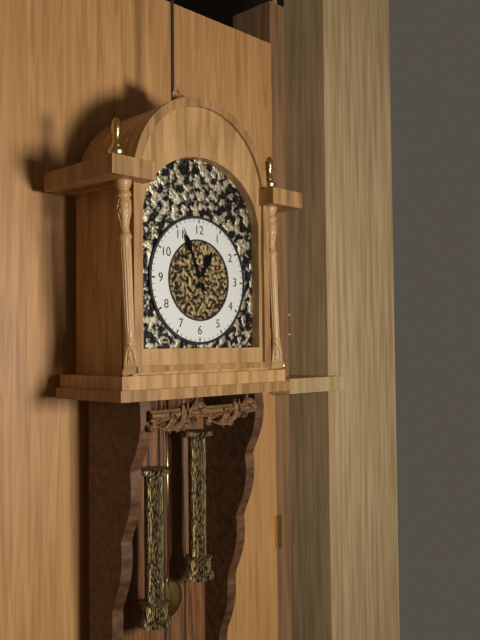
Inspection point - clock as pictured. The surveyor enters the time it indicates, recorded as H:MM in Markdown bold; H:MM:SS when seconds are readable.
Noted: **12:56**
